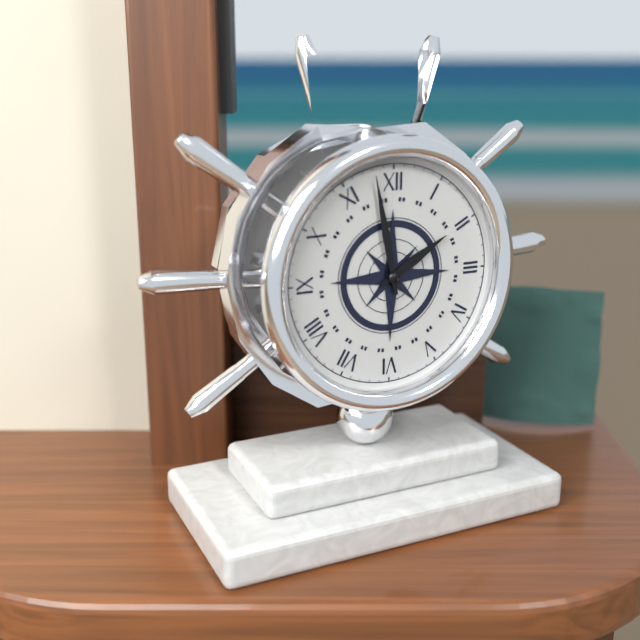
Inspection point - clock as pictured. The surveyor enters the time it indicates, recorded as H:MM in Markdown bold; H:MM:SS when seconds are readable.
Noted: **1:58**
